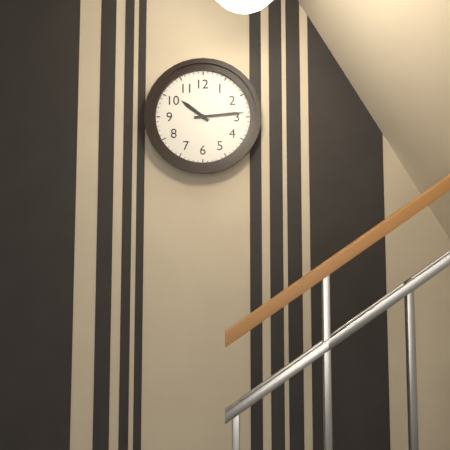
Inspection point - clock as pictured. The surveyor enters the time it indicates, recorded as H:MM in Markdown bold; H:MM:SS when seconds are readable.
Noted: **10:14**
